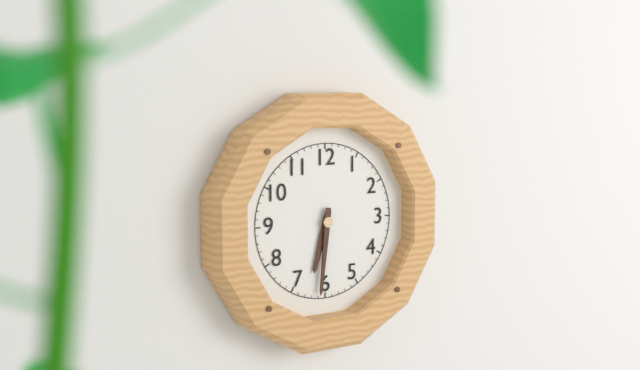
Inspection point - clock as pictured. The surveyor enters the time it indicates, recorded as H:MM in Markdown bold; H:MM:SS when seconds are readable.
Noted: **6:31**
